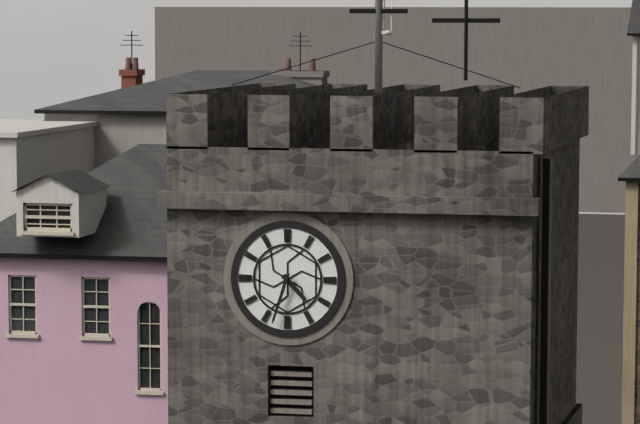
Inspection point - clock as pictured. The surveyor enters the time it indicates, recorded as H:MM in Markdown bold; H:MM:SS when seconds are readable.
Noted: **4:33**
